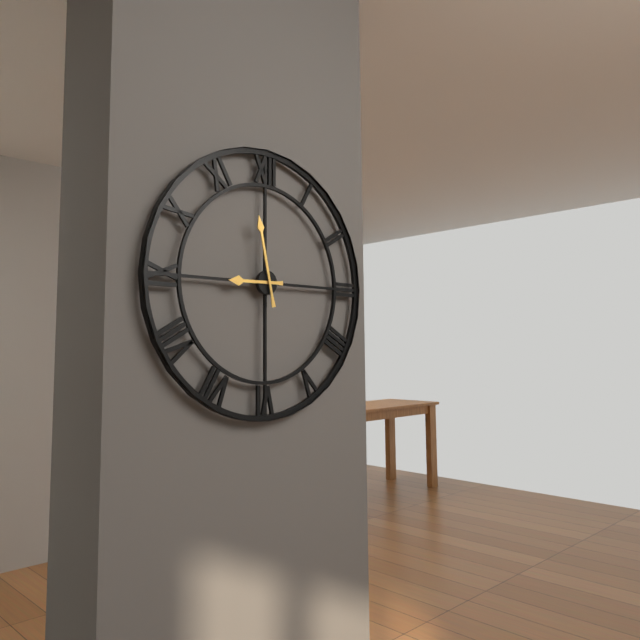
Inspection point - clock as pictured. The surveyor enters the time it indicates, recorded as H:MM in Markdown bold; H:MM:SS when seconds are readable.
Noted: **8:58**
